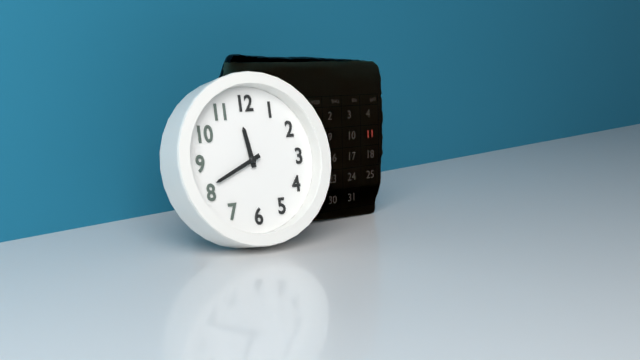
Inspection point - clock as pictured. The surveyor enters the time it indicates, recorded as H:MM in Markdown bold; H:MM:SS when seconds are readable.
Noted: **11:41**
